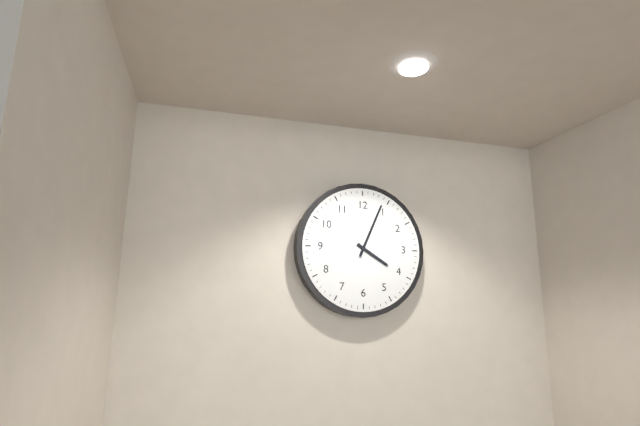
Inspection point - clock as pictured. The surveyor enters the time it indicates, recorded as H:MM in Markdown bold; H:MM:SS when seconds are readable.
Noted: **4:04**
